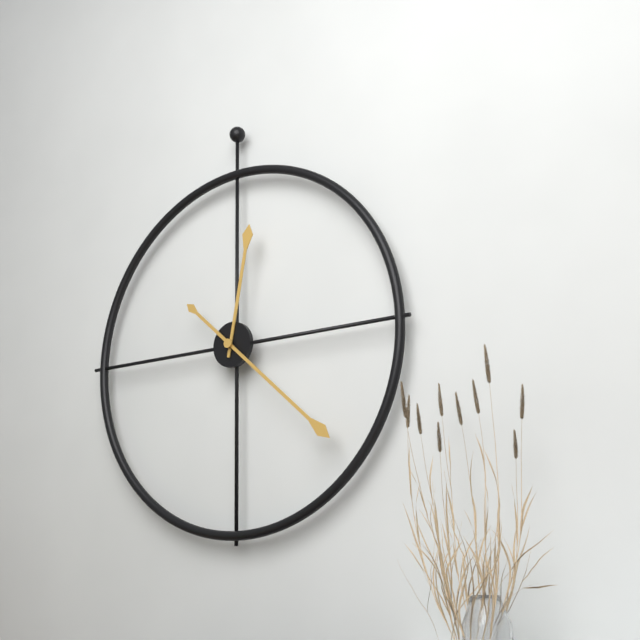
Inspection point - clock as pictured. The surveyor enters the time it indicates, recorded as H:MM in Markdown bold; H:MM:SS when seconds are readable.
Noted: **12:22**
